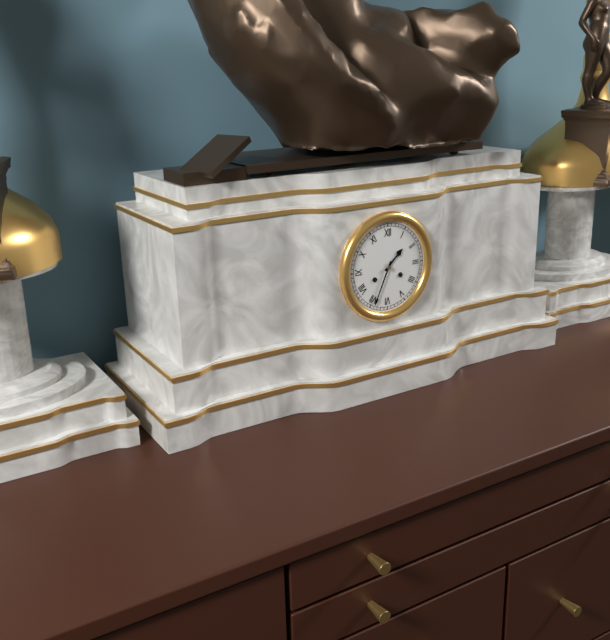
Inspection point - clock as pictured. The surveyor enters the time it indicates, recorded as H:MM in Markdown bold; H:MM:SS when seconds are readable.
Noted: **1:34**
